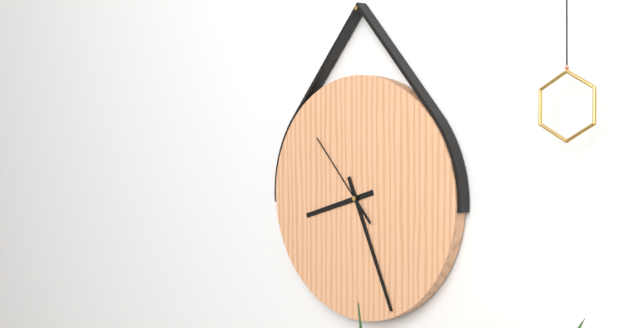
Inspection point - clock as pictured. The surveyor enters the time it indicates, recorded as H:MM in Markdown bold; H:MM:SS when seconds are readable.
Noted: **8:26:53**
